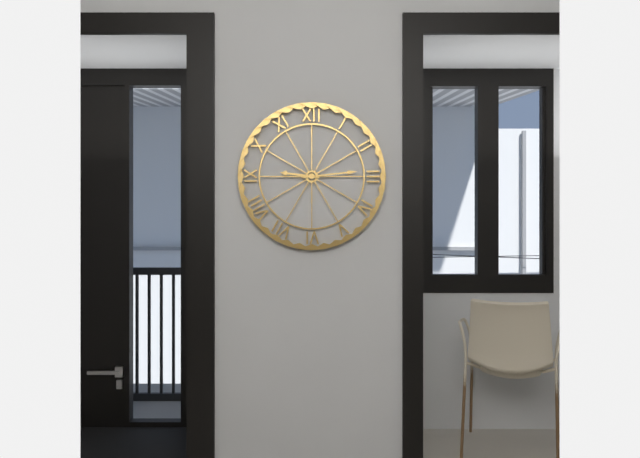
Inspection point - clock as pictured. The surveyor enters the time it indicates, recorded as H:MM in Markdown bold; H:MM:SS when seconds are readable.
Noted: **9:14**
